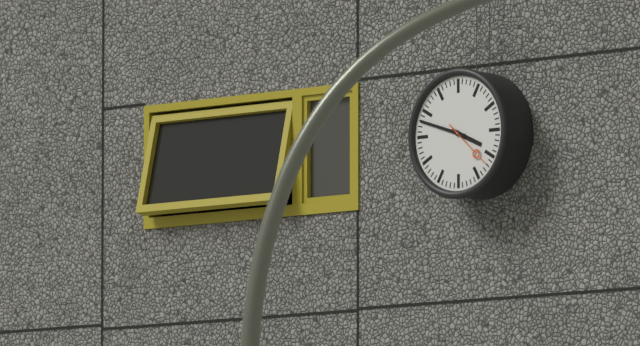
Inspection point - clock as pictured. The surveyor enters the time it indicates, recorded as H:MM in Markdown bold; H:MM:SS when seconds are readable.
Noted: **3:48**
